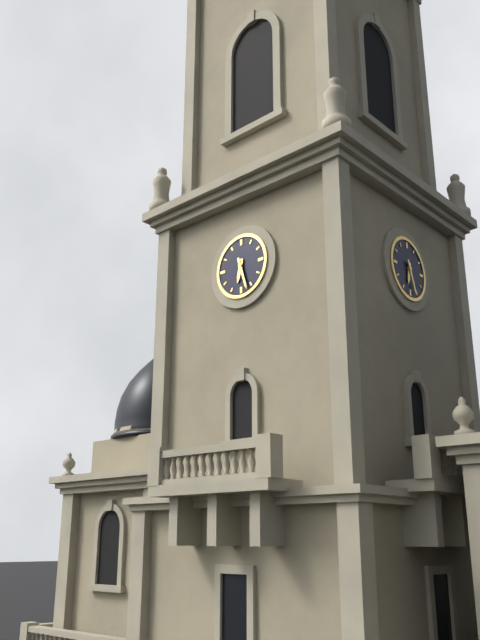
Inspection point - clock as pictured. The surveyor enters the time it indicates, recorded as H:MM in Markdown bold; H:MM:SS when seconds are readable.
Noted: **6:27**
